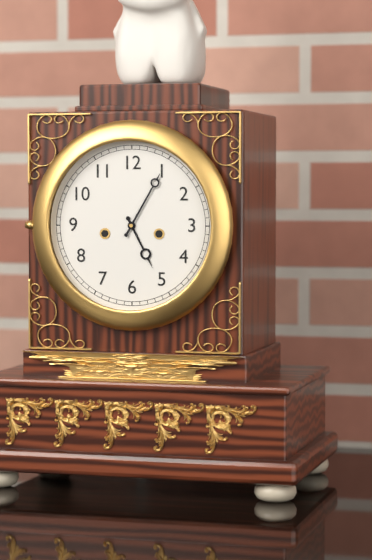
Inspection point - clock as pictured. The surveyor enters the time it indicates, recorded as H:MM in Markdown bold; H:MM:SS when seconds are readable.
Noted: **5:05**
